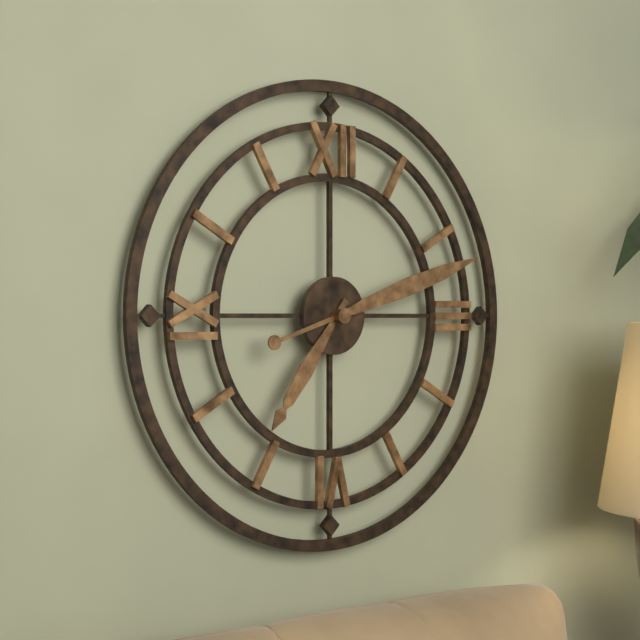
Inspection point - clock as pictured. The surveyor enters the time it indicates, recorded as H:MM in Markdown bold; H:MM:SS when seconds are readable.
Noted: **7:12**
